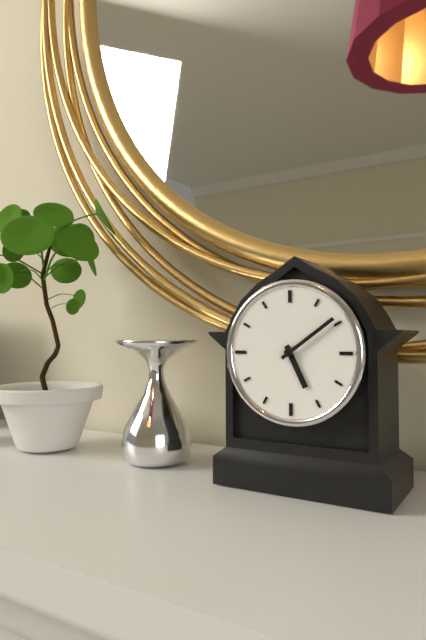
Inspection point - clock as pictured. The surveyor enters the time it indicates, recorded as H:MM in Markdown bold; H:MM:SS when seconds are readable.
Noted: **5:09**
